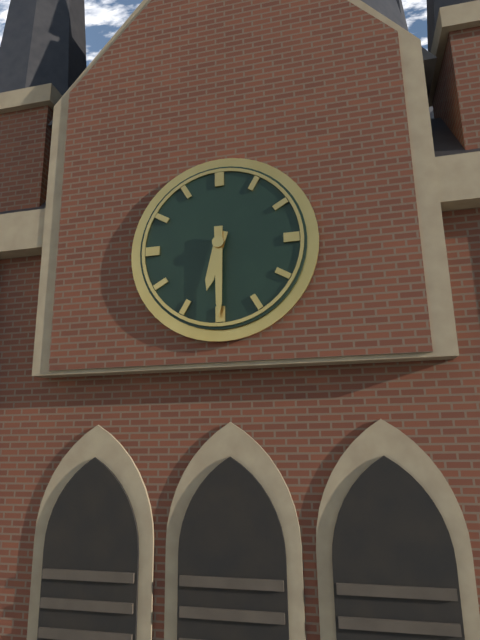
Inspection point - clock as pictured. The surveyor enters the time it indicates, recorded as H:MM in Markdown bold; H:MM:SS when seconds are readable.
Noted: **6:30**
